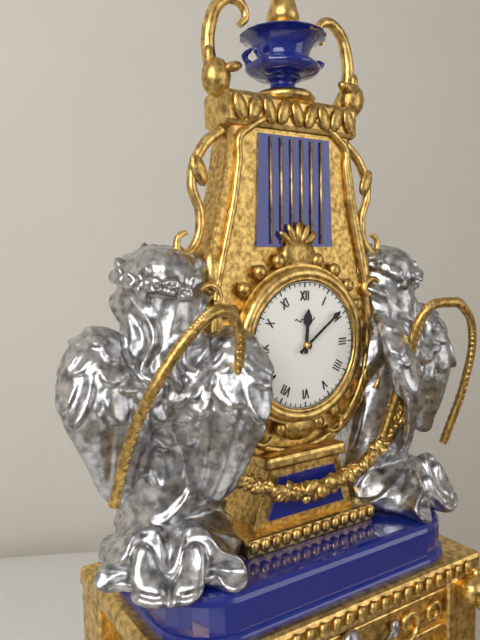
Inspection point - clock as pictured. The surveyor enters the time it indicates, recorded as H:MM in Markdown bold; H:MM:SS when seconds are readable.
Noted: **12:09**
